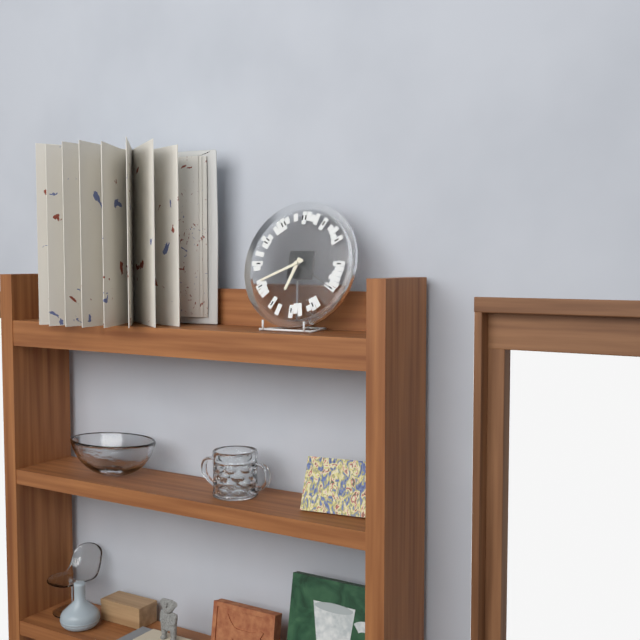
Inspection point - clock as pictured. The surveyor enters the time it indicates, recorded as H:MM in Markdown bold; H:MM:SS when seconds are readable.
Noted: **6:41:20**
